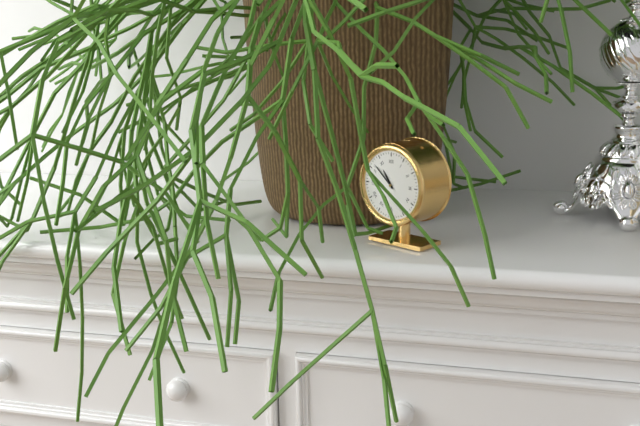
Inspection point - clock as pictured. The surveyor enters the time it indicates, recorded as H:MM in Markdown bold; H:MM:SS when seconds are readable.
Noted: **10:52**
